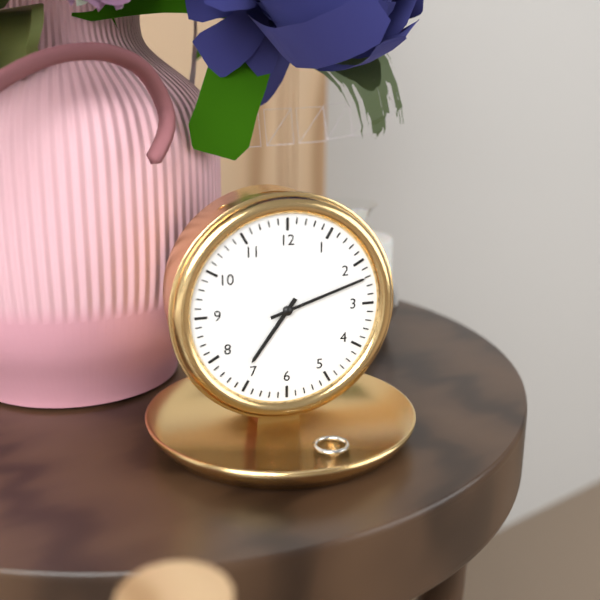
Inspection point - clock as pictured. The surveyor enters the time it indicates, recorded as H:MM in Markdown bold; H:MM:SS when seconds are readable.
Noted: **7:12**
